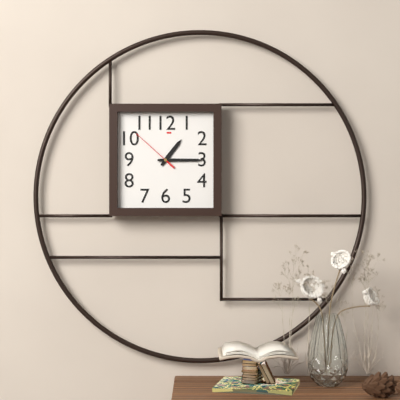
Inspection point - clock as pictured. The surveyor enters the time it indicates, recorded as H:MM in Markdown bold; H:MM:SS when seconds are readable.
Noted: **1:15:52**
